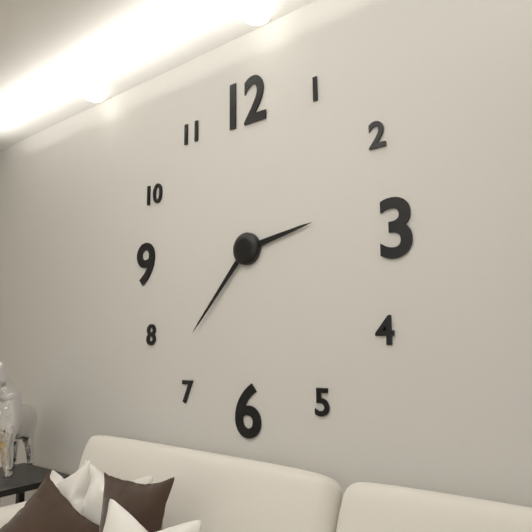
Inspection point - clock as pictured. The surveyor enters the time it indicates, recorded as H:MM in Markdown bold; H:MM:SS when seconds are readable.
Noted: **2:37**
